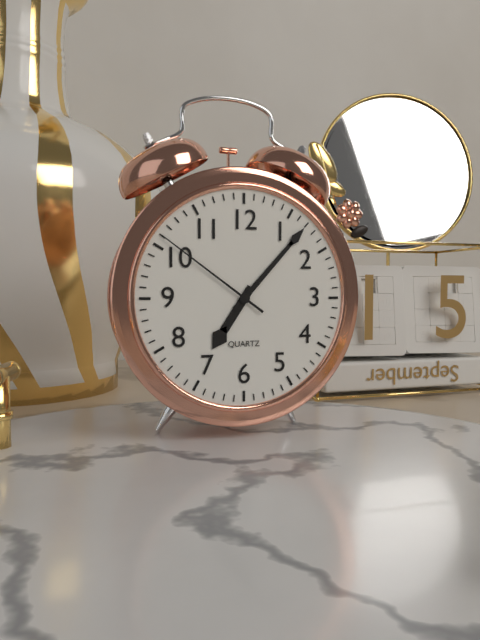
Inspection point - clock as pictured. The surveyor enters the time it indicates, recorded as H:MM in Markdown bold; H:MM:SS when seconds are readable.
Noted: **7:07:51**
